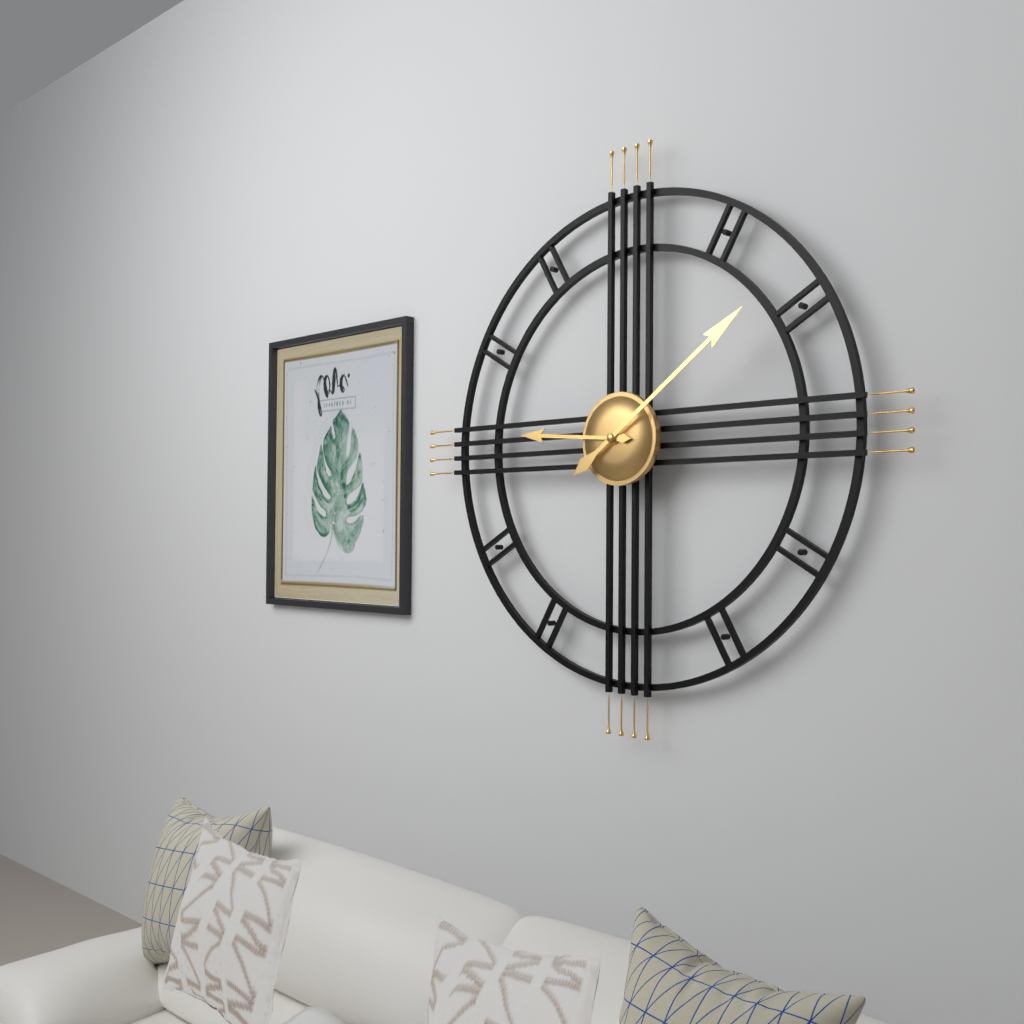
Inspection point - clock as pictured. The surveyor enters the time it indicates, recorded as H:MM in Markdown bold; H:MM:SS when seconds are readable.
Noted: **9:09**
